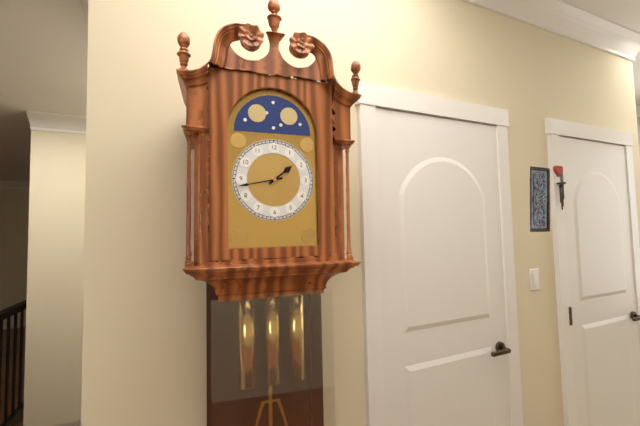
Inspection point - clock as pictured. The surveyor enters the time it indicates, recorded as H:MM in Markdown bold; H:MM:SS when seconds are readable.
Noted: **1:43**
